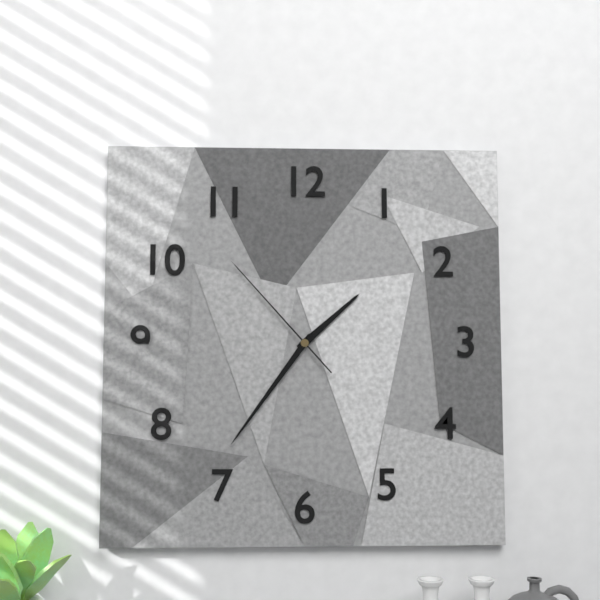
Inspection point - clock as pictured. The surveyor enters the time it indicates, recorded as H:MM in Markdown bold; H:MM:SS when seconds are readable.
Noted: **1:36:53**
